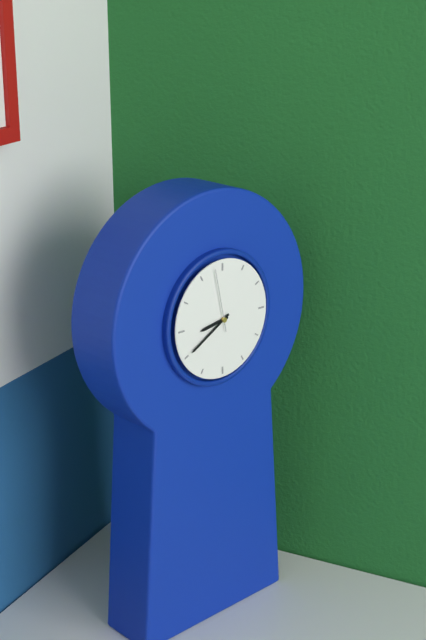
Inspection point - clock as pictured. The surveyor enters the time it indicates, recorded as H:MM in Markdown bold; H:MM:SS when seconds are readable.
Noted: **8:40:58**
